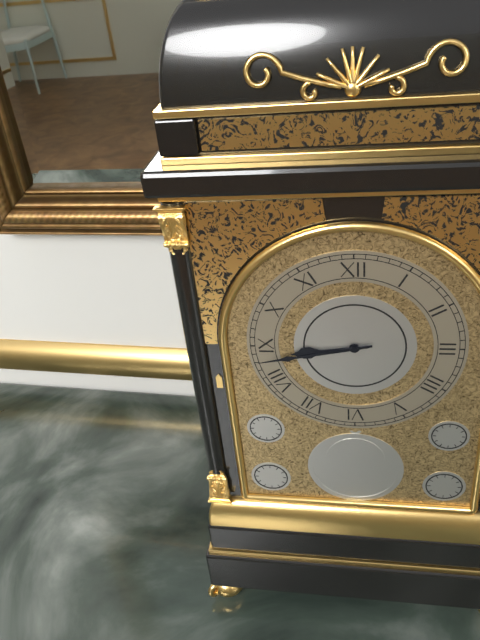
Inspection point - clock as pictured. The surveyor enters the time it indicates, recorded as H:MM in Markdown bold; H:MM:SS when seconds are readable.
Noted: **8:43**
